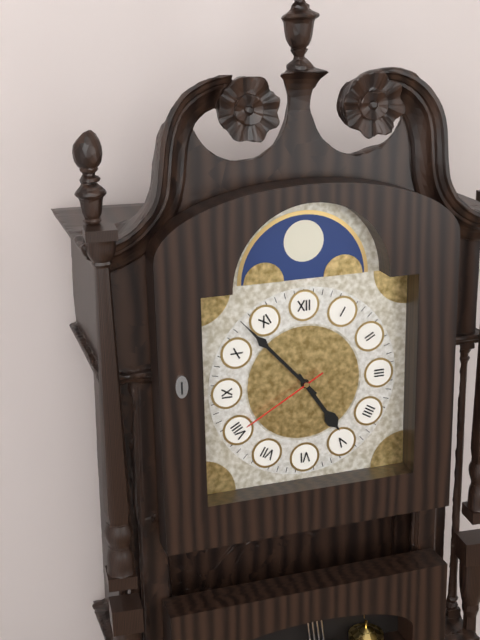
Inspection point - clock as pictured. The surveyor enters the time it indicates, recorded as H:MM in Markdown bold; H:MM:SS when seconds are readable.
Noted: **4:53:40**
